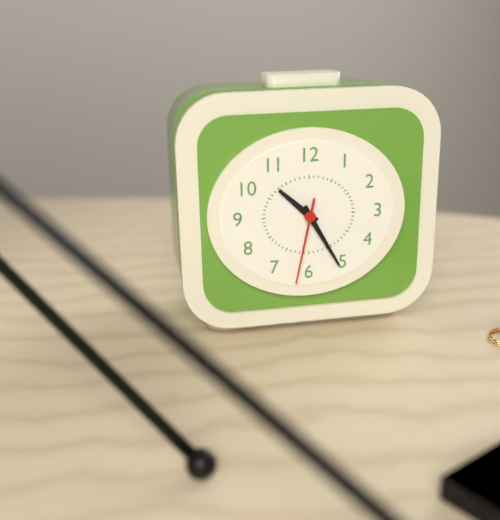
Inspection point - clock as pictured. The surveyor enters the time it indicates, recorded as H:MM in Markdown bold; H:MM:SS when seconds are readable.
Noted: **10:25:32**
